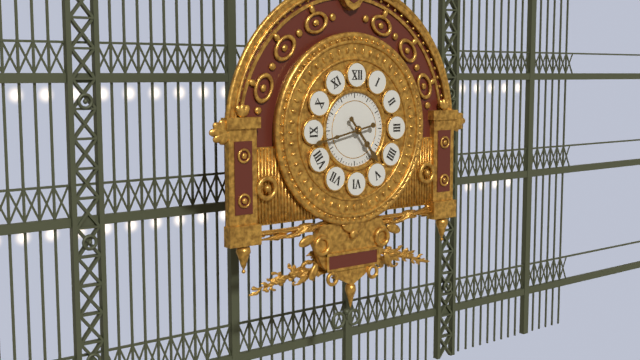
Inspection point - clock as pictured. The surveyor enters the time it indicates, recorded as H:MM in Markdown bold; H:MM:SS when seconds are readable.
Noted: **4:43**
